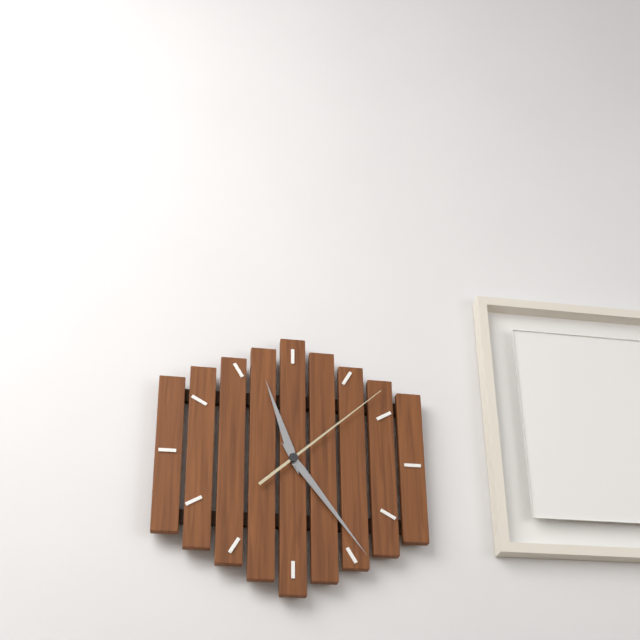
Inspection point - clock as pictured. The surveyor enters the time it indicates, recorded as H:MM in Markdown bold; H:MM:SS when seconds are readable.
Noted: **11:24:08**
